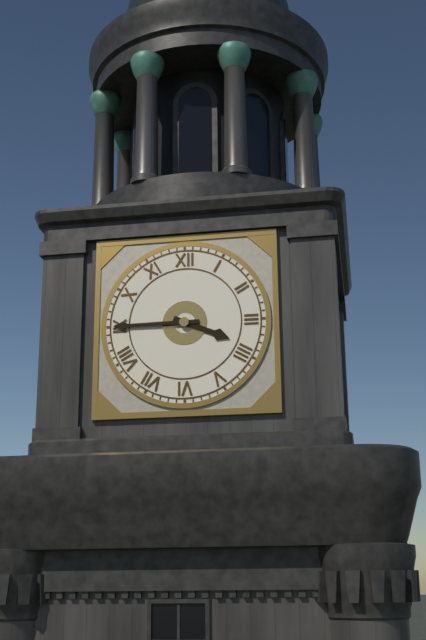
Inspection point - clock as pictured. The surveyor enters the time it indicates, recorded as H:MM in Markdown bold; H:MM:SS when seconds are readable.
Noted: **3:45**
